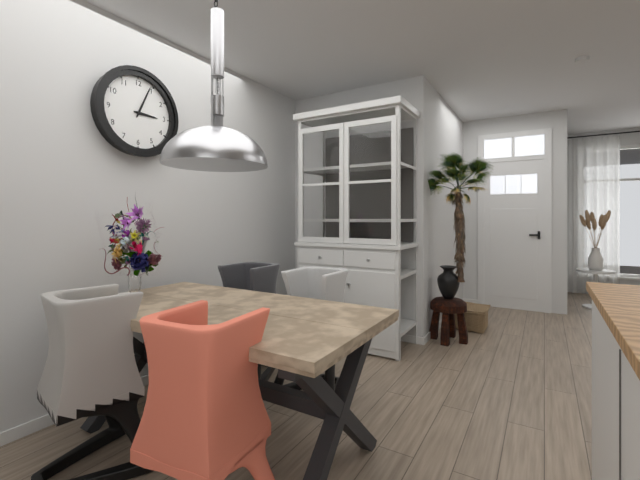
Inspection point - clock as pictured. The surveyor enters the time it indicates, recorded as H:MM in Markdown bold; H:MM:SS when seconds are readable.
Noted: **3:04**
